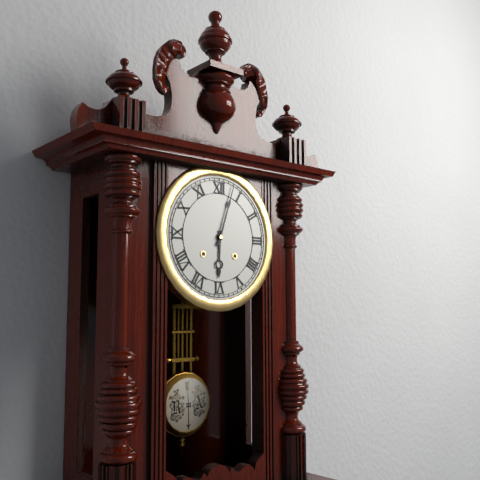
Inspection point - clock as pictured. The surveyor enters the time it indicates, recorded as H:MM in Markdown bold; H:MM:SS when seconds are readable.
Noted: **6:03**
